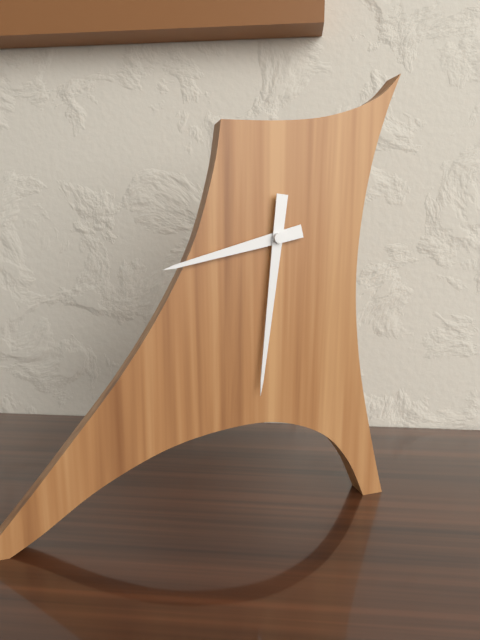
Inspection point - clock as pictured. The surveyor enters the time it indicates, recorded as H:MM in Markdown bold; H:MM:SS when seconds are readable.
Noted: **8:31**
